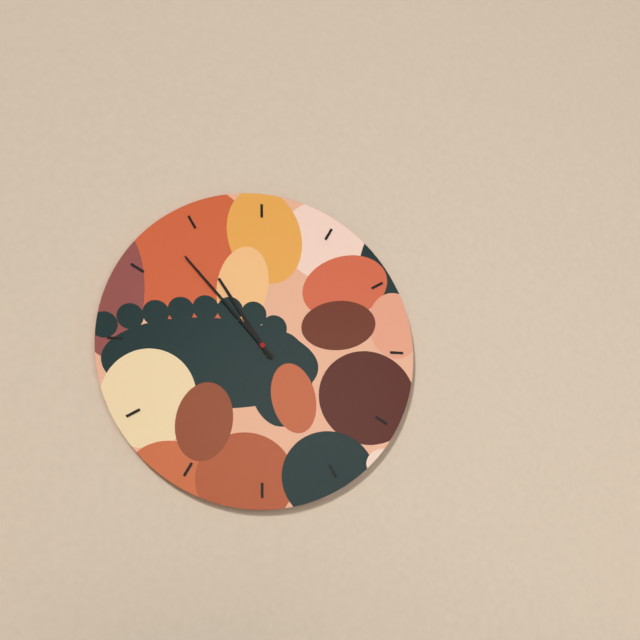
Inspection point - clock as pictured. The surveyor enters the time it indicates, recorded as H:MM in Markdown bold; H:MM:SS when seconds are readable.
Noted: **10:53**
